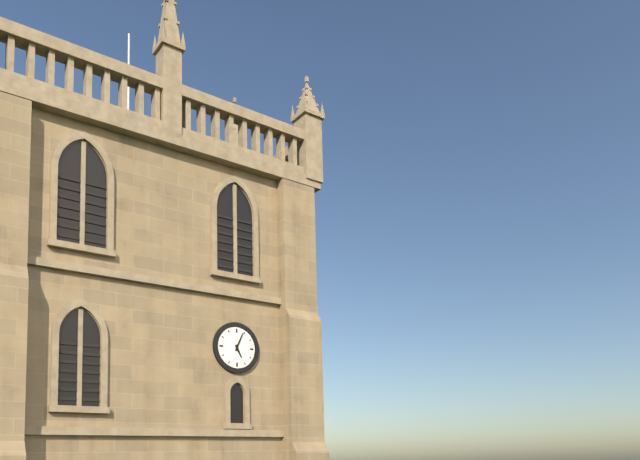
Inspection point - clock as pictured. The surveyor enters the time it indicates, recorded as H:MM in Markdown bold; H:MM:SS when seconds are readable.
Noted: **5:04**
